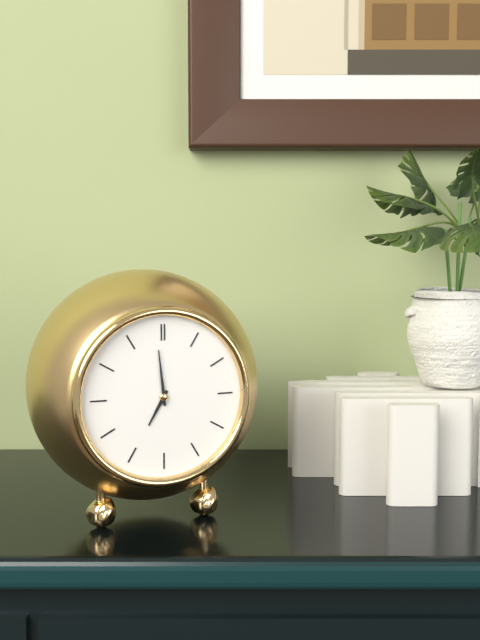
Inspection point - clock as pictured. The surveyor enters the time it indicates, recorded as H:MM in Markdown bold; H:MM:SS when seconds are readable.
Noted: **6:59**
